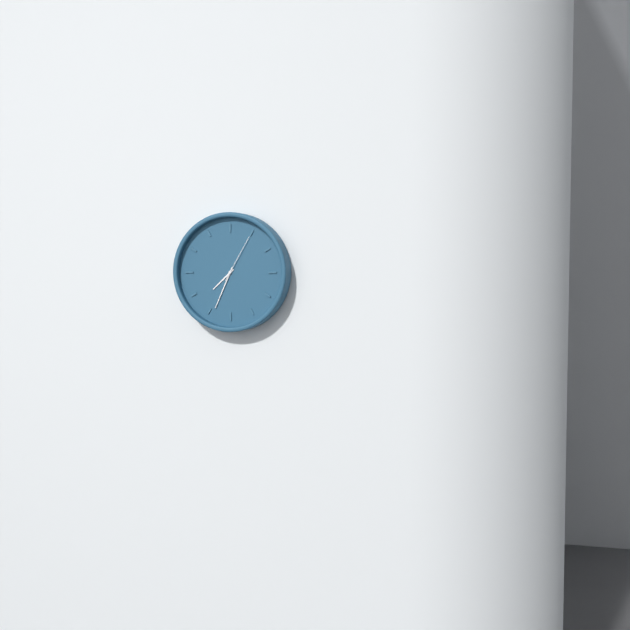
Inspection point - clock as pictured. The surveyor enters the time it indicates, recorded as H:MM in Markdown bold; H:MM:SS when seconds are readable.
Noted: **7:34:05**
